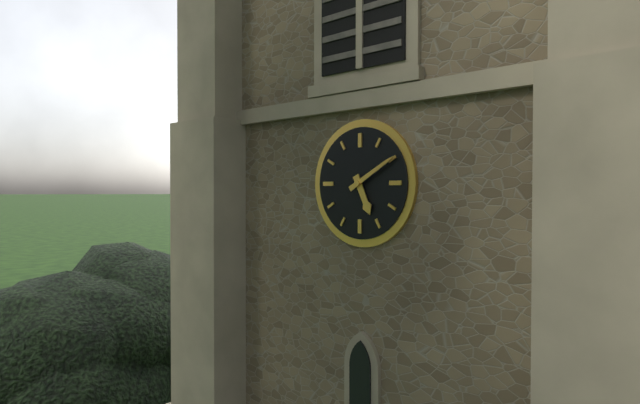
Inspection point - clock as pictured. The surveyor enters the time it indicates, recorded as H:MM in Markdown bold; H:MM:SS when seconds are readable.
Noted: **5:10**
